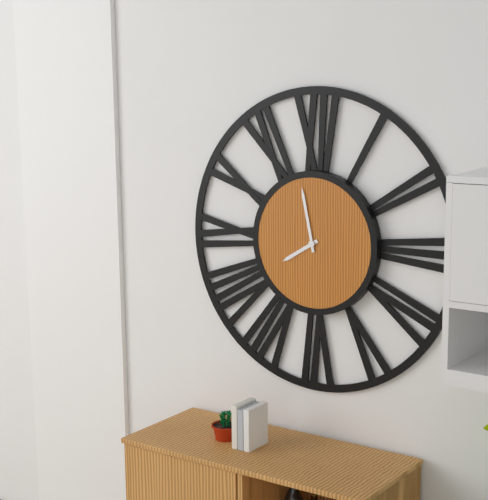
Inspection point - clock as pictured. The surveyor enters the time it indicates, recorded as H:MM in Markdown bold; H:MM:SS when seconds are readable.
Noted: **7:58**
